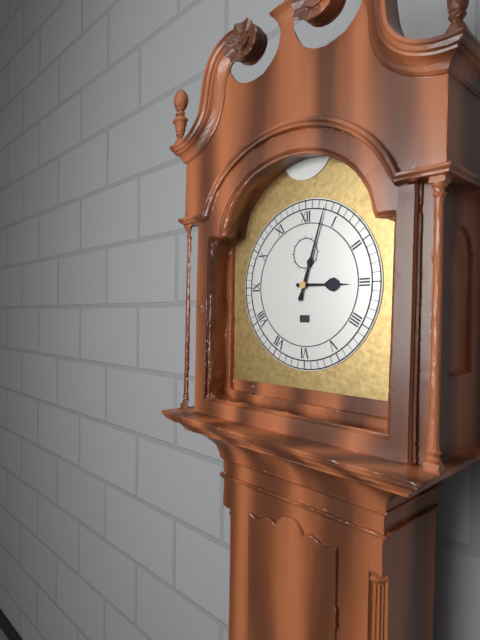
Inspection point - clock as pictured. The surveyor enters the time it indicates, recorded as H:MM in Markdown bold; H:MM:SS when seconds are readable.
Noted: **3:03**
